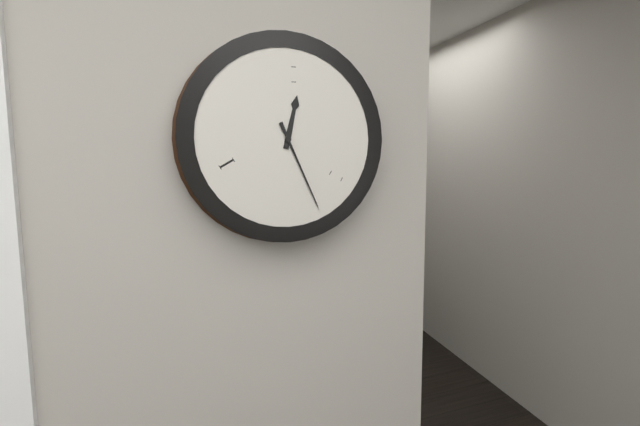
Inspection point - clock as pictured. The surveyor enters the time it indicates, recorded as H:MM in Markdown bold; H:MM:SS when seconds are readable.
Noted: **12:26**
